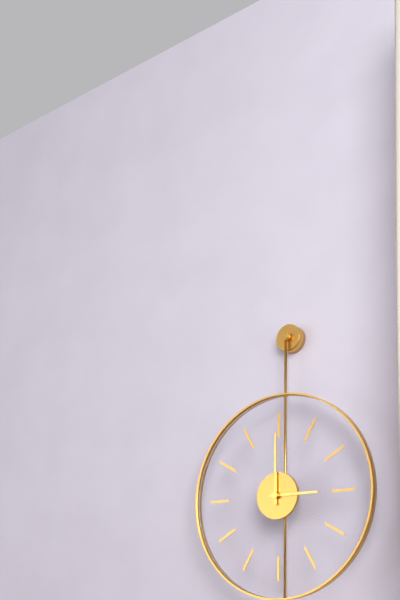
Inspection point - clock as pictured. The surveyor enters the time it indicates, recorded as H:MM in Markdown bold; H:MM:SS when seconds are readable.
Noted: **3:00**
